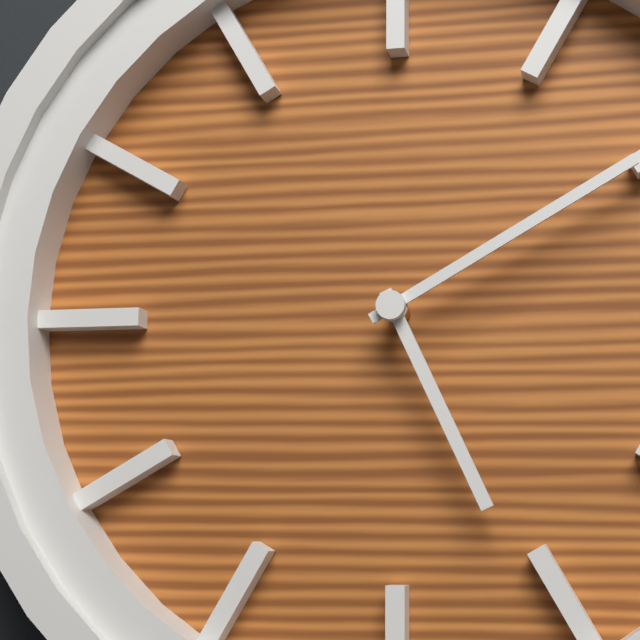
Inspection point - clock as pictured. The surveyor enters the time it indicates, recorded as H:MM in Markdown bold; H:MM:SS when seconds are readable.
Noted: **5:10**
